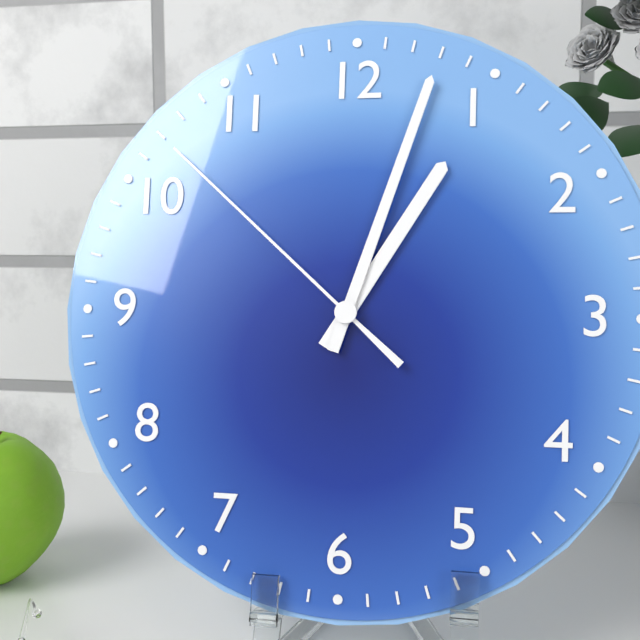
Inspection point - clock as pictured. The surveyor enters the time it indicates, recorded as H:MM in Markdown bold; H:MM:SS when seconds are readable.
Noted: **1:03:52**
